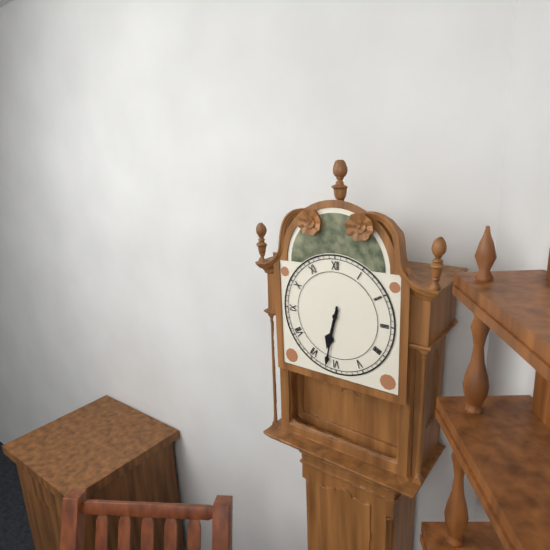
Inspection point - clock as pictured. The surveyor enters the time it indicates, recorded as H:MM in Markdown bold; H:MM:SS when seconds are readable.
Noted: **6:32**
